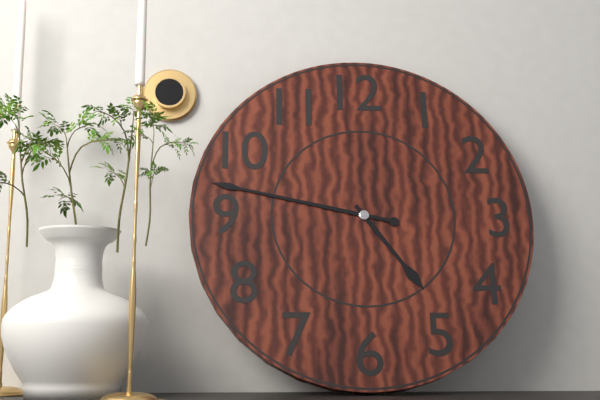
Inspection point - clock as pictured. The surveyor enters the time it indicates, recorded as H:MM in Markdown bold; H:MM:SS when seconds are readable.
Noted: **4:47**
